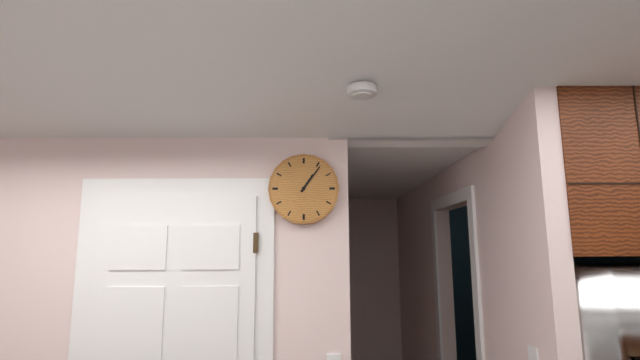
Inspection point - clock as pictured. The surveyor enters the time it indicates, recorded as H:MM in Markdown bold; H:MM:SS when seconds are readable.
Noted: **1:06**
